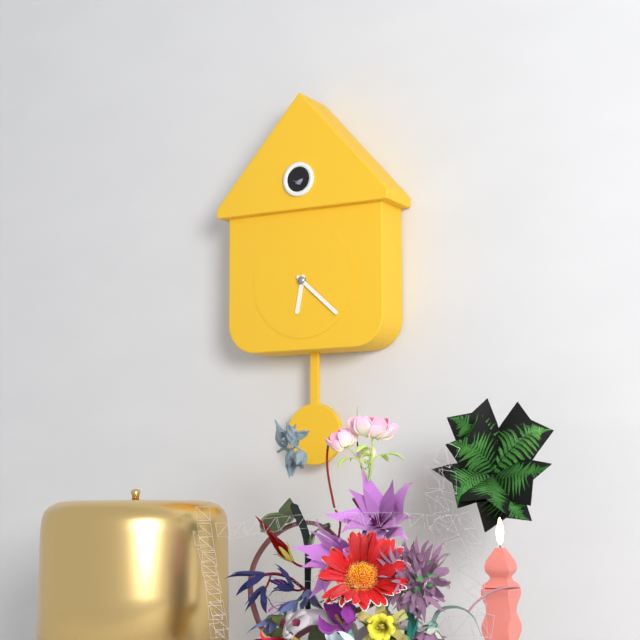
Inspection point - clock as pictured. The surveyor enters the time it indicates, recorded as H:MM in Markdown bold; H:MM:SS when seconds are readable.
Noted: **6:22**
